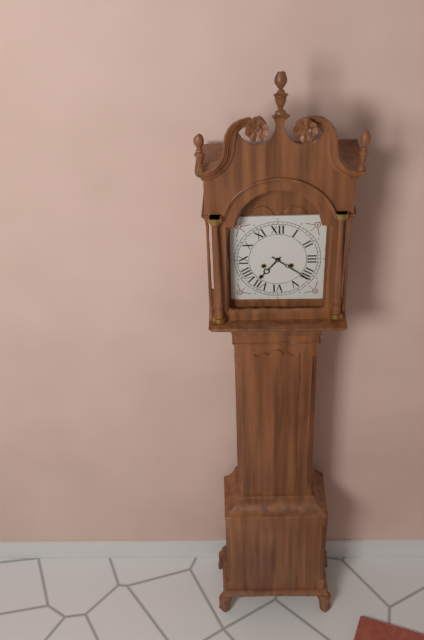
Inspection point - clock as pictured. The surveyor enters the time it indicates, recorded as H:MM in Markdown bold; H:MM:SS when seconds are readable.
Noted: **7:21**
